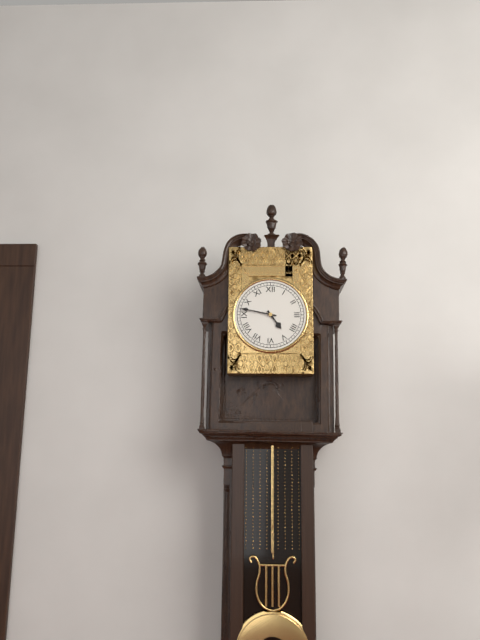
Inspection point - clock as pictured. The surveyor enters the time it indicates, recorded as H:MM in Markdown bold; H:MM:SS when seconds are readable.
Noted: **4:47**
